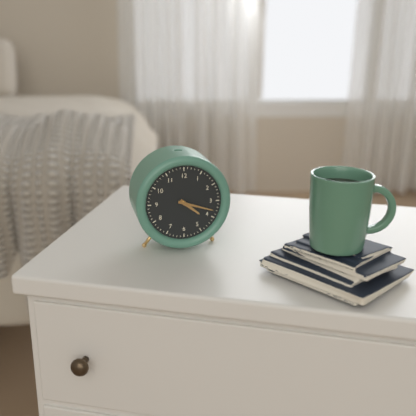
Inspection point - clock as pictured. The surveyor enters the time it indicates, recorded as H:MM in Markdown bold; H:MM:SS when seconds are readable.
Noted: **4:18**
